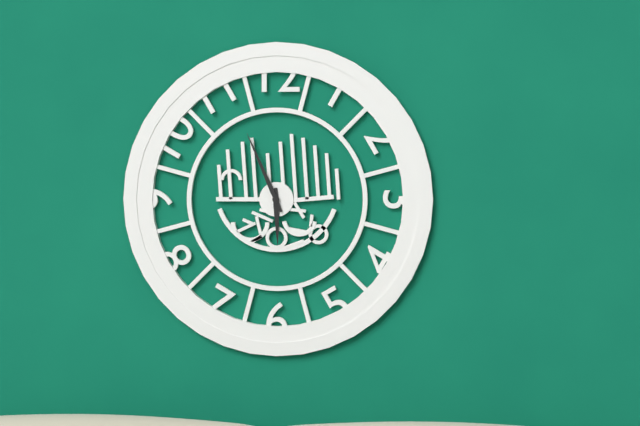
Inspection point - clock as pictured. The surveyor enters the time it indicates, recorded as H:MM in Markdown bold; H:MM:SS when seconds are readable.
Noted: **5:56**
